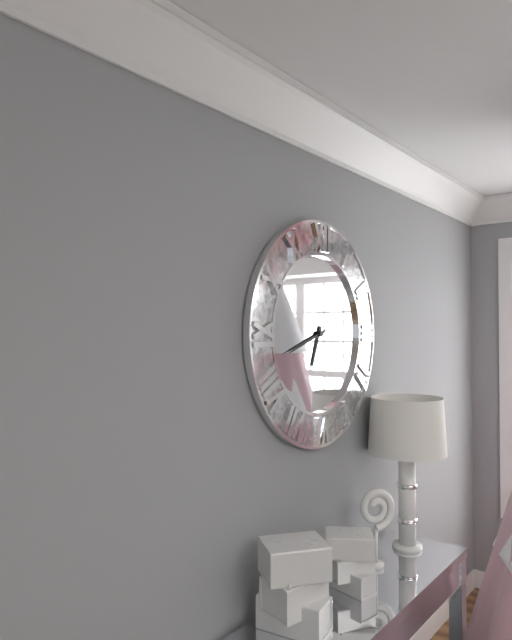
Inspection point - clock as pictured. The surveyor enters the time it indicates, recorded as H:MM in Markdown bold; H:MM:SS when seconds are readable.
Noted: **6:42**
